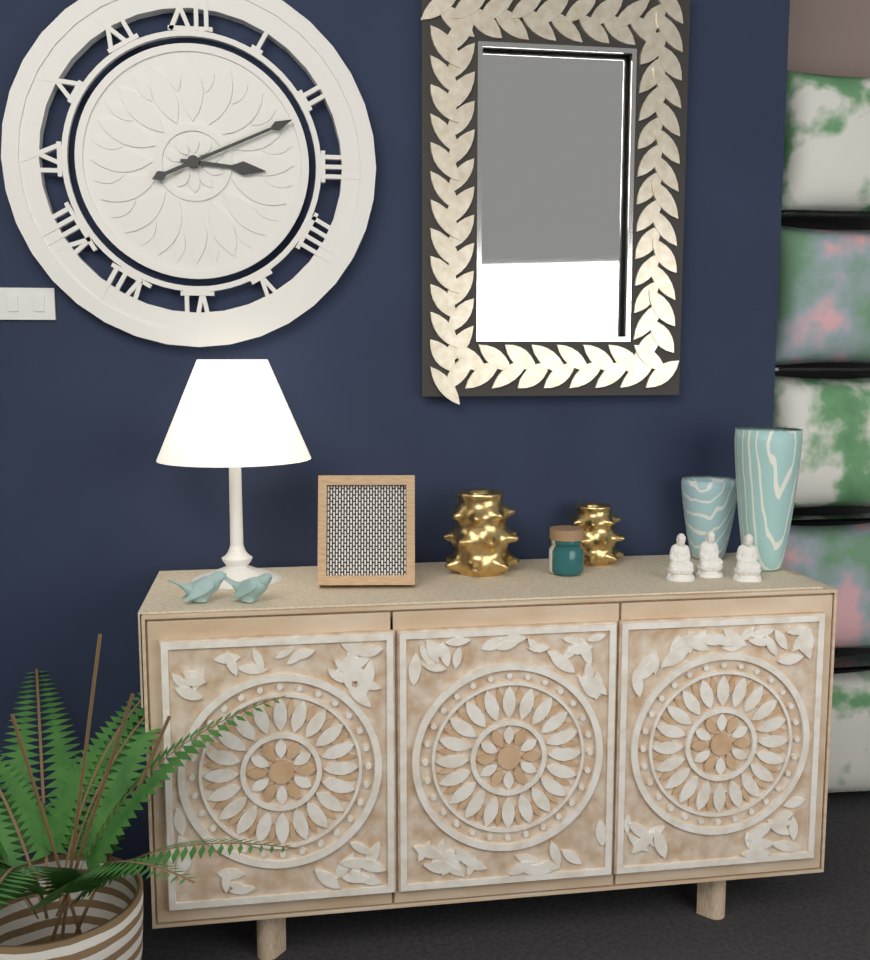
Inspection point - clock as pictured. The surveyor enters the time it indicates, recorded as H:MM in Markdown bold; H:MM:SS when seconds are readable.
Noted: **3:11**
